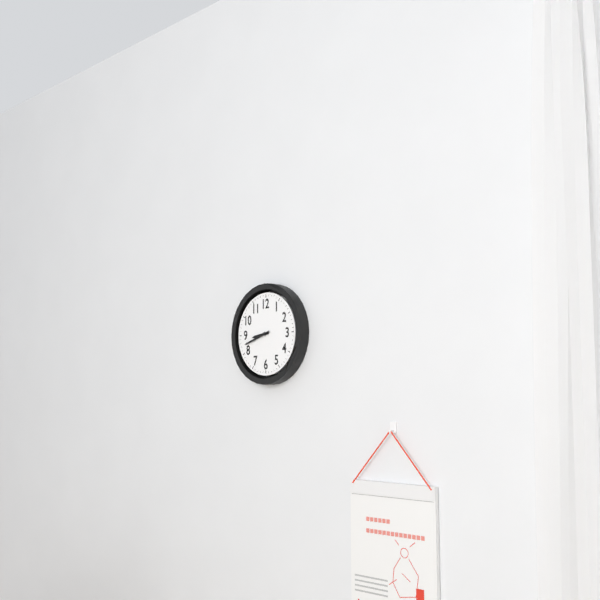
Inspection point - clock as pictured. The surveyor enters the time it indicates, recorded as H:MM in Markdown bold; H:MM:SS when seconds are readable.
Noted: **8:42**
